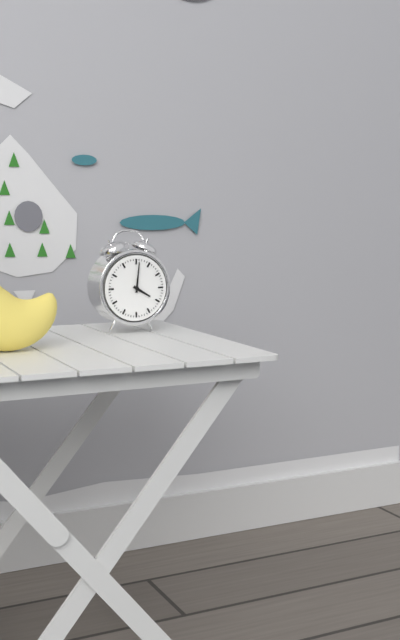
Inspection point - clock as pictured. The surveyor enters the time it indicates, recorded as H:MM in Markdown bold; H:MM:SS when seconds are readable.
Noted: **4:01**
